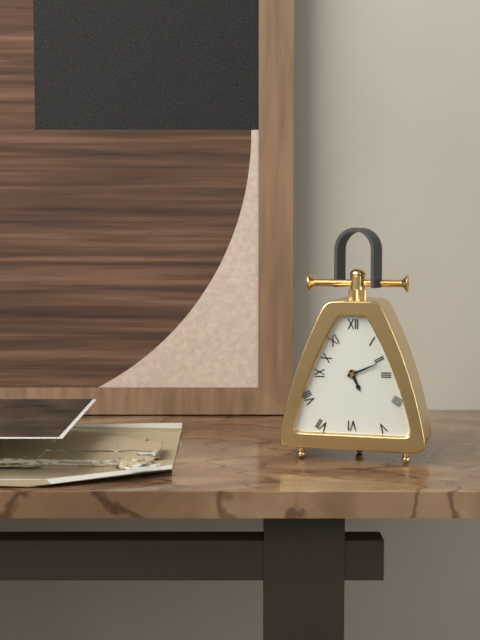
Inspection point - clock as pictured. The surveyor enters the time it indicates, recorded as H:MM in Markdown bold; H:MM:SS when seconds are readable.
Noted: **5:11**
